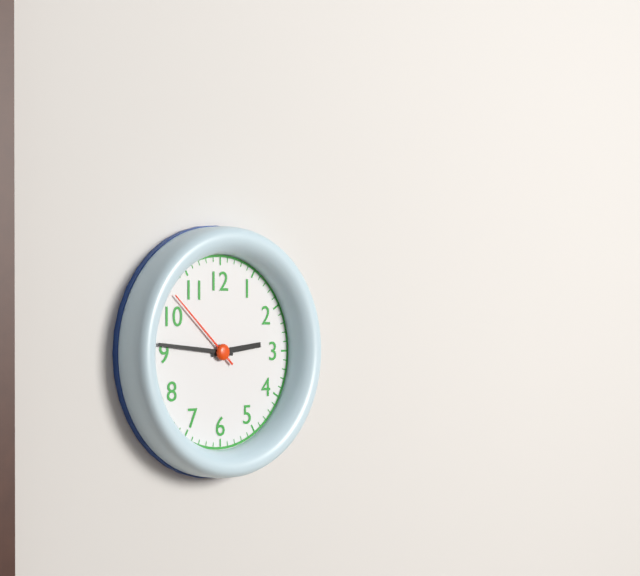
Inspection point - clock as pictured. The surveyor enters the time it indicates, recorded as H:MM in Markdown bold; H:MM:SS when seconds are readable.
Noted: **2:46:52**
